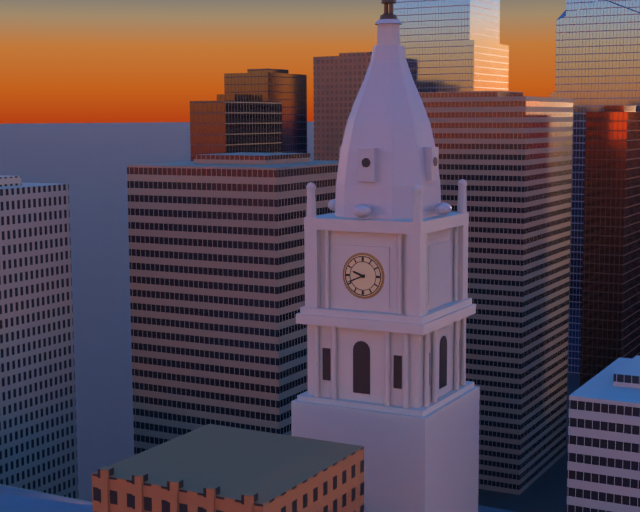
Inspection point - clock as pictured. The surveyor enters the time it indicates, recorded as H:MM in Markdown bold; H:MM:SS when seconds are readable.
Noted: **9:41**
